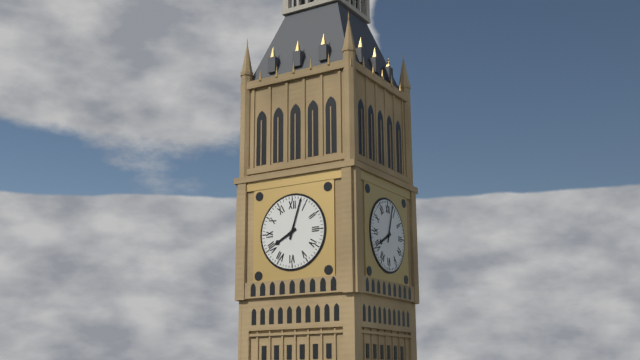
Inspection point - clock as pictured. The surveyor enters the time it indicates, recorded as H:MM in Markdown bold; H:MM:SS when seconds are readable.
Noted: **8:03**
